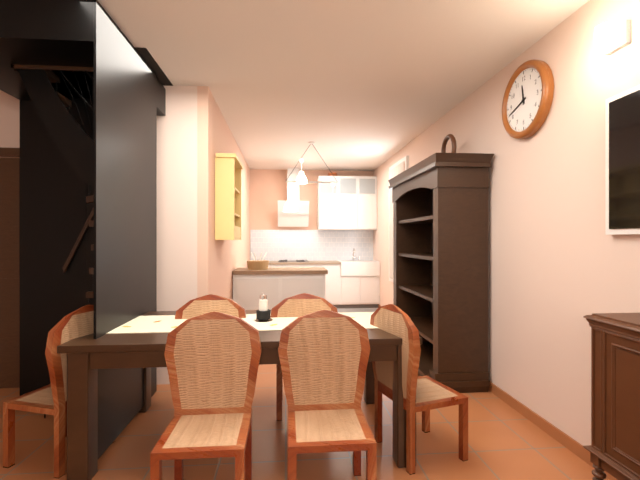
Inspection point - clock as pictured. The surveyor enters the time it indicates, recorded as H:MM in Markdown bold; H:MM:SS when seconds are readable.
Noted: **11:42**
